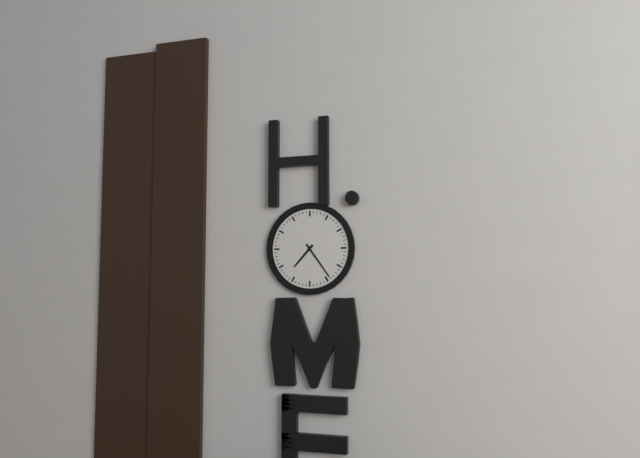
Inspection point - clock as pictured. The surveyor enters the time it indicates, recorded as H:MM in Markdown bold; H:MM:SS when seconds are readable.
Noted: **7:24**
